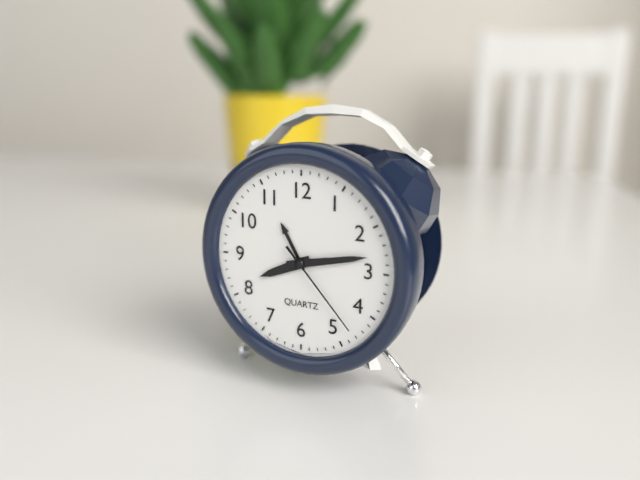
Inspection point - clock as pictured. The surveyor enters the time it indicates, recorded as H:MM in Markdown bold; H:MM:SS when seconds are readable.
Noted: **8:13:23**
